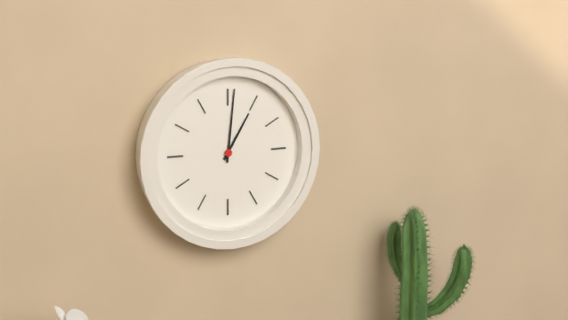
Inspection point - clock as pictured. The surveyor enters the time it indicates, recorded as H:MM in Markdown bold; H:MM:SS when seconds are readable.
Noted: **1:01**
